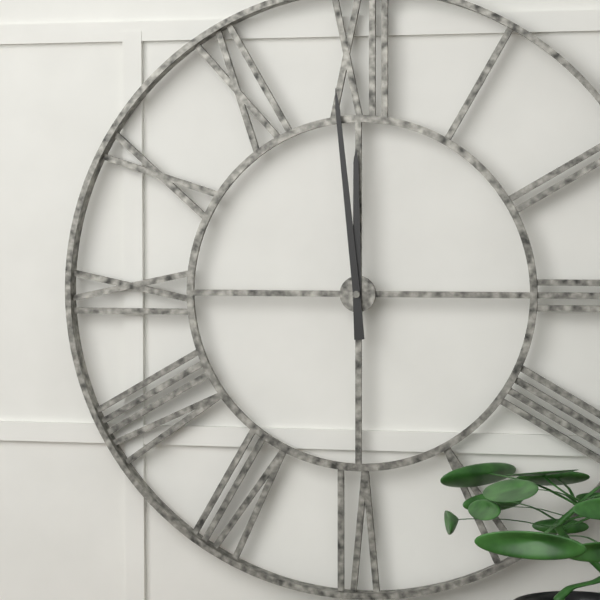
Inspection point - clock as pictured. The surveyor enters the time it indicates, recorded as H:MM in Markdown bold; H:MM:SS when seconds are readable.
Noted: **11:59**
